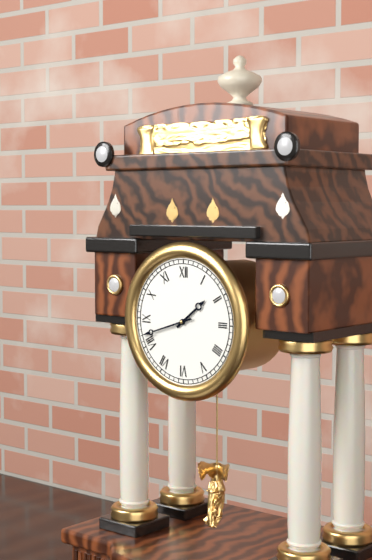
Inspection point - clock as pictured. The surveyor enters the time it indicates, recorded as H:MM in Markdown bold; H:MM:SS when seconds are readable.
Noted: **1:42**
